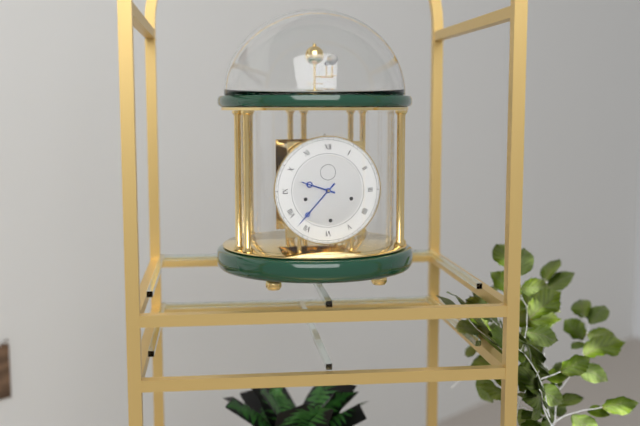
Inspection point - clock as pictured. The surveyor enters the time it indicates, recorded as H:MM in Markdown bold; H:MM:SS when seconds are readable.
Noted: **9:37**
